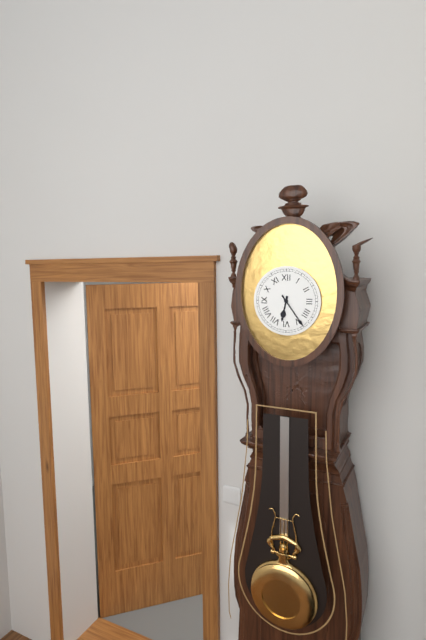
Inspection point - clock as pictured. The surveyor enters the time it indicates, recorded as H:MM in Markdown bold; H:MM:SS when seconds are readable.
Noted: **6:24**
